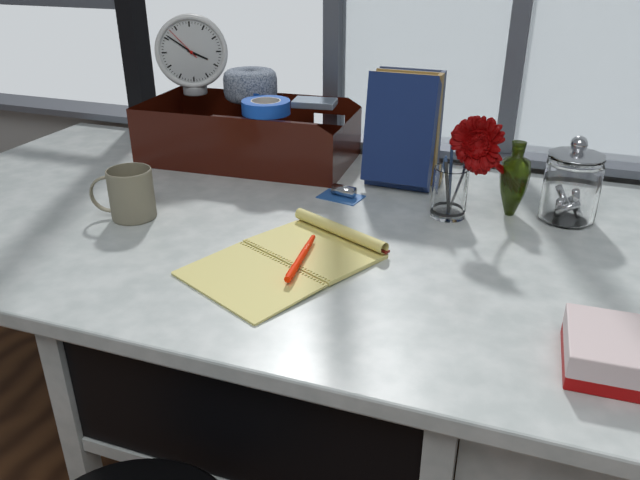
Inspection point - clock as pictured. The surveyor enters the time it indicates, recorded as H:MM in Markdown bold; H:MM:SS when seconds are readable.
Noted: **3:51**
